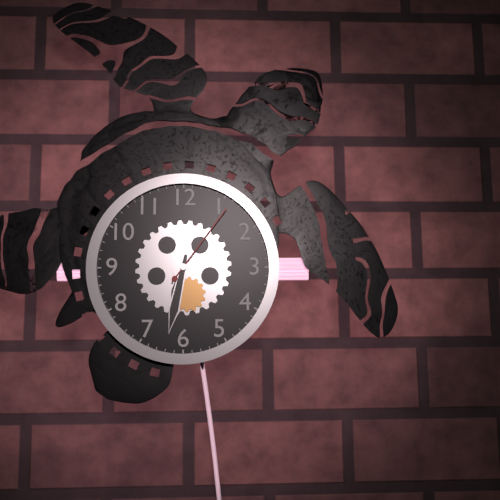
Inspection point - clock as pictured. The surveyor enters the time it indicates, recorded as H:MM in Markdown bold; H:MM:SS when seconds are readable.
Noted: **6:32:06**
